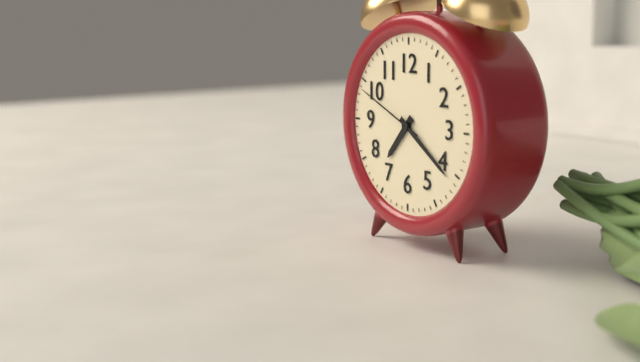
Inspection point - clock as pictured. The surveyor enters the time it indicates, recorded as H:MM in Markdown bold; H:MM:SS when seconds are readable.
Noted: **7:21:49**
